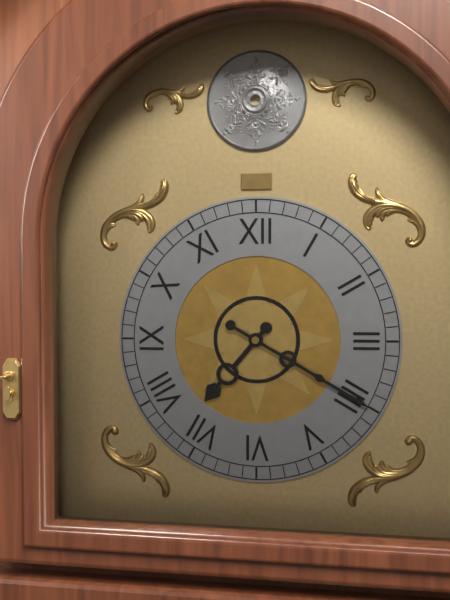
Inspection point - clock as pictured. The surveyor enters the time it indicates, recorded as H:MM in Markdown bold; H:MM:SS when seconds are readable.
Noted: **7:20**
